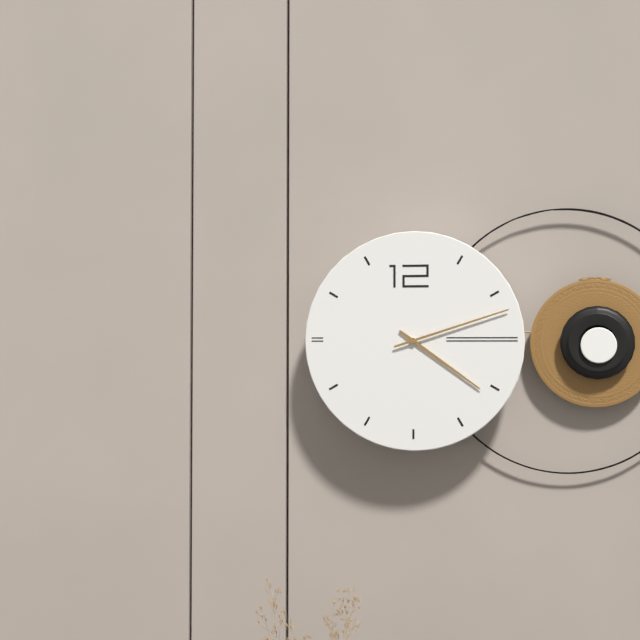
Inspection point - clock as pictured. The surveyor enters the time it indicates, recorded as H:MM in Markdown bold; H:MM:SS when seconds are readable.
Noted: **4:12**
